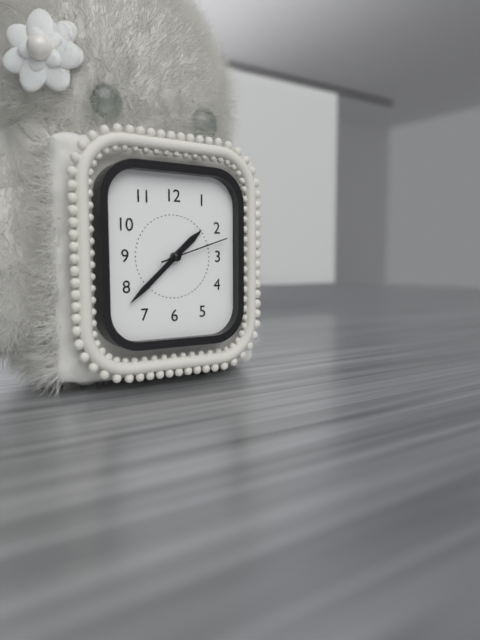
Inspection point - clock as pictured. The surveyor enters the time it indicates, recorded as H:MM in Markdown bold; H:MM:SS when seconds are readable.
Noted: **1:38:12**
